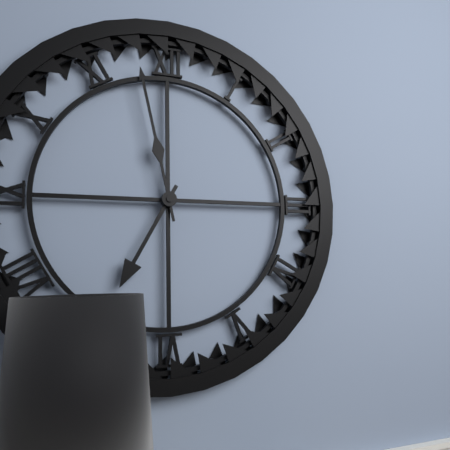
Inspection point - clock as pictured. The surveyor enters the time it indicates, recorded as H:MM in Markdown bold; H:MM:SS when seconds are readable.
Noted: **6:58**
